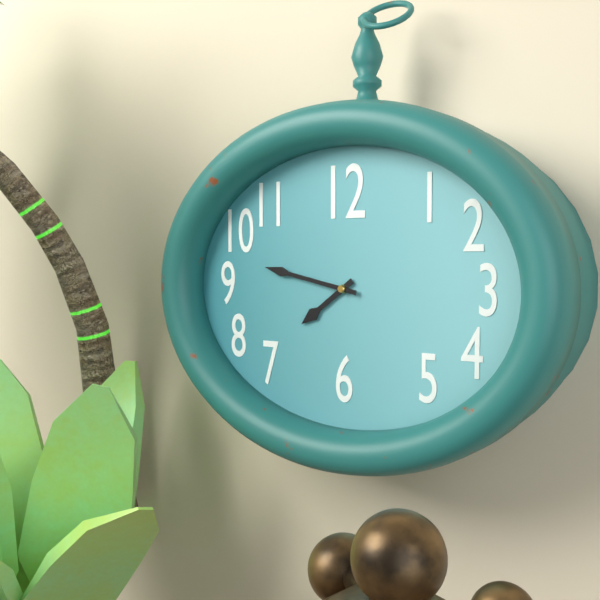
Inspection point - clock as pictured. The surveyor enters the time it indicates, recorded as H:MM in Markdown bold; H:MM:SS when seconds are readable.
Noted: **7:47**
